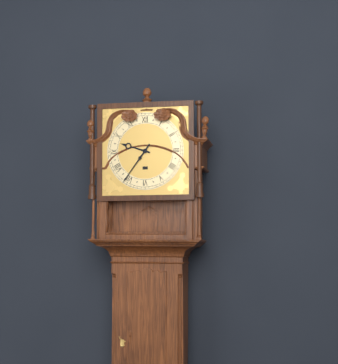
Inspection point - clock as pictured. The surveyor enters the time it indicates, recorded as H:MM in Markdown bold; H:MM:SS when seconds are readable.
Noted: **9:36**
